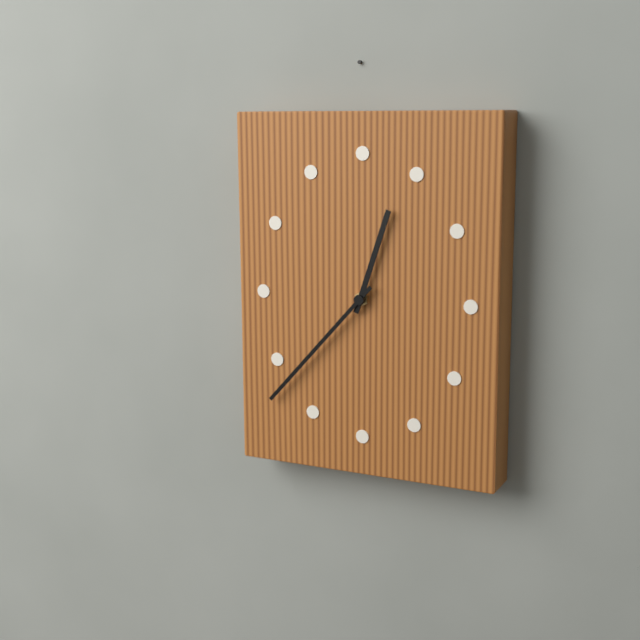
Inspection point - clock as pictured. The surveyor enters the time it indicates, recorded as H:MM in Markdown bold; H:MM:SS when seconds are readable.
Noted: **12:37**
